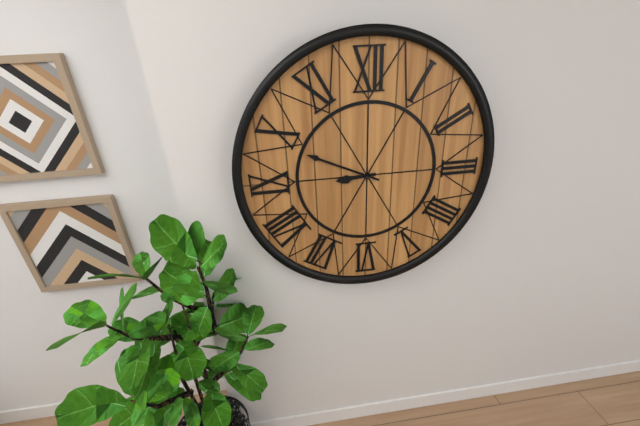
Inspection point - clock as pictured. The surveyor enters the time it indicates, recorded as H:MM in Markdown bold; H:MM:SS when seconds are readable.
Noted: **8:49**
